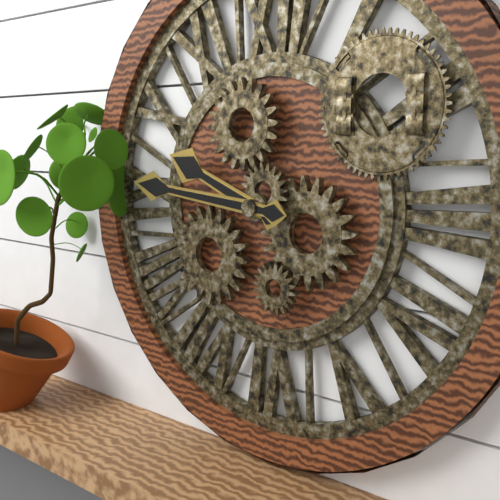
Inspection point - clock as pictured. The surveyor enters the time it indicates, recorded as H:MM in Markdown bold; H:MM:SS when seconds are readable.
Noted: **9:46**
